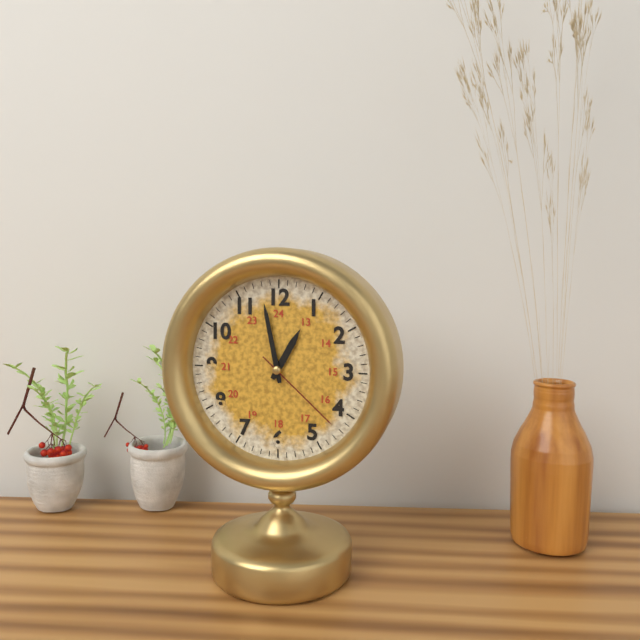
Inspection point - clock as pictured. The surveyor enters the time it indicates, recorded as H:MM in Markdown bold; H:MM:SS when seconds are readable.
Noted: **12:58:22**
